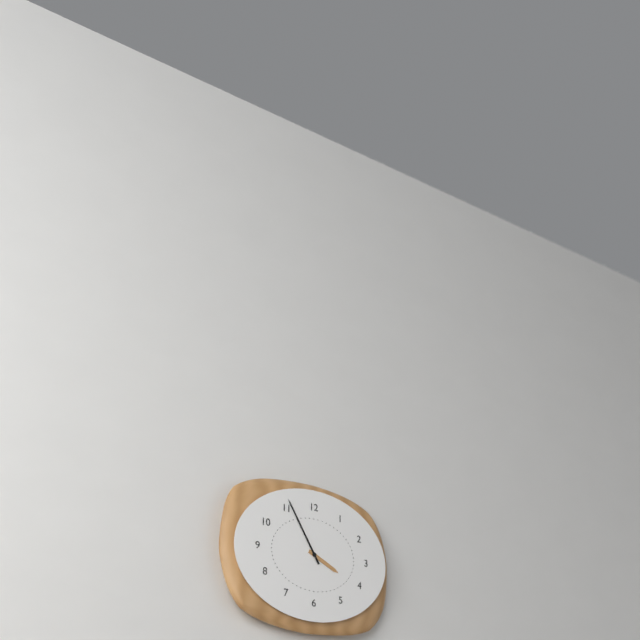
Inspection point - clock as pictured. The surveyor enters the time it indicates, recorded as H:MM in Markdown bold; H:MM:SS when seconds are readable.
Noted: **3:55**
